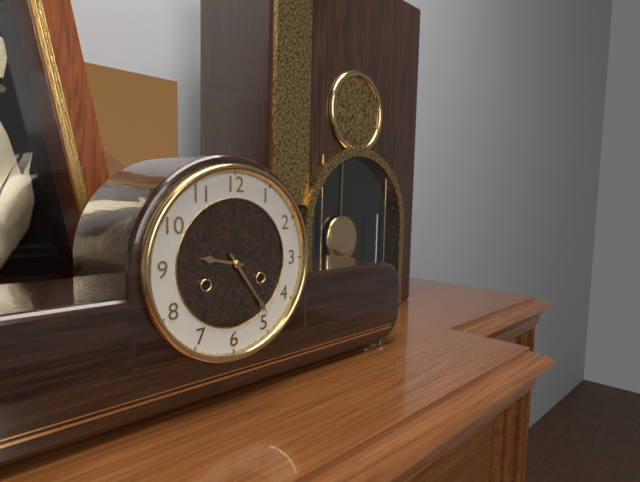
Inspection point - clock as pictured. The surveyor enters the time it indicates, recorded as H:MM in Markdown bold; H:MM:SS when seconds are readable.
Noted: **9:24**
